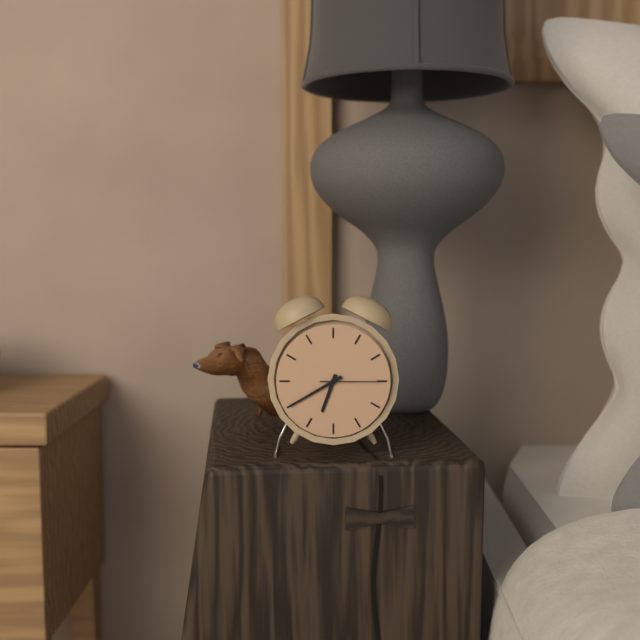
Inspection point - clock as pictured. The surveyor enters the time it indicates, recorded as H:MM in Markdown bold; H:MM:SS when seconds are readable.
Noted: **6:40:15**
